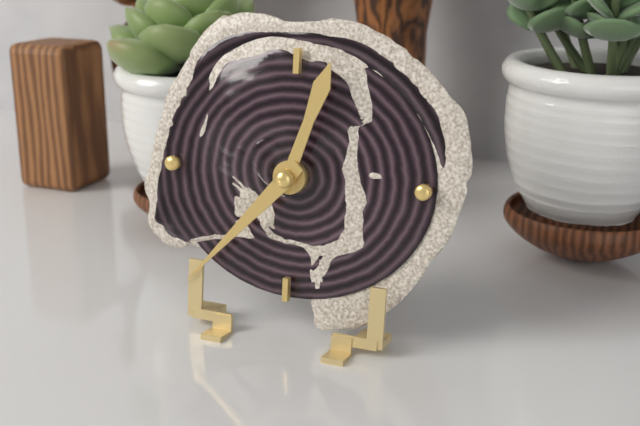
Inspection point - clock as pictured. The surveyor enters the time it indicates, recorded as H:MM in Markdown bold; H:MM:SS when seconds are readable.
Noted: **12:37**
